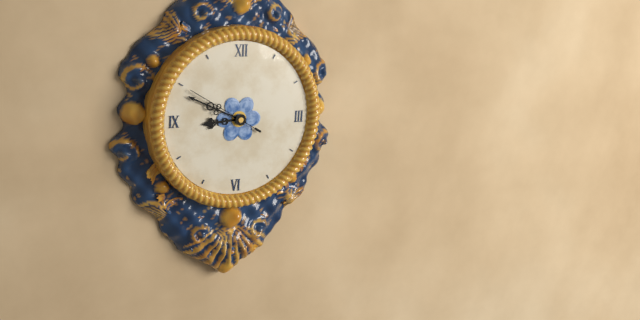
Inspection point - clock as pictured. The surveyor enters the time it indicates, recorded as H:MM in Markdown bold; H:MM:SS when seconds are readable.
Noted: **8:49:50**
